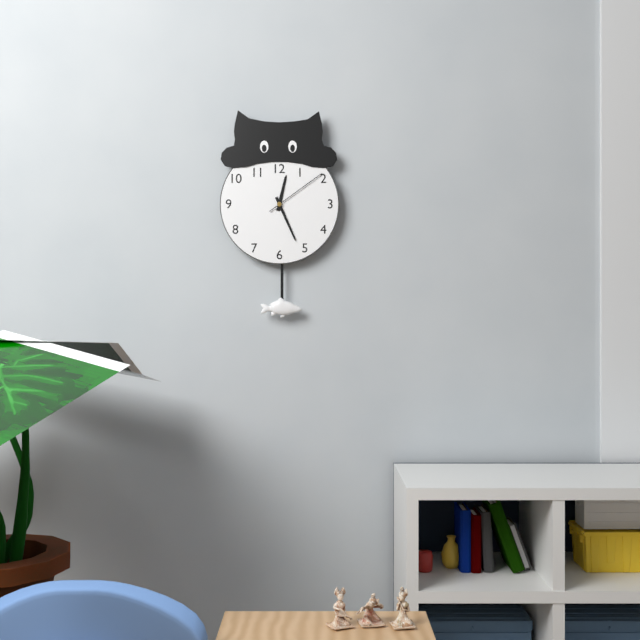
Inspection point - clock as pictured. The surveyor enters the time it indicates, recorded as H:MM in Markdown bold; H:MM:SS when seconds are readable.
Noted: **12:26:09**
